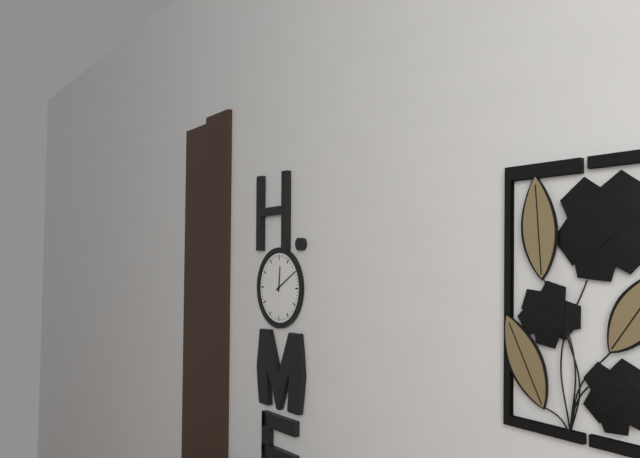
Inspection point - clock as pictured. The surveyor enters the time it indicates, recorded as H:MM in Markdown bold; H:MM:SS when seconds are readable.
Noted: **12:10**
